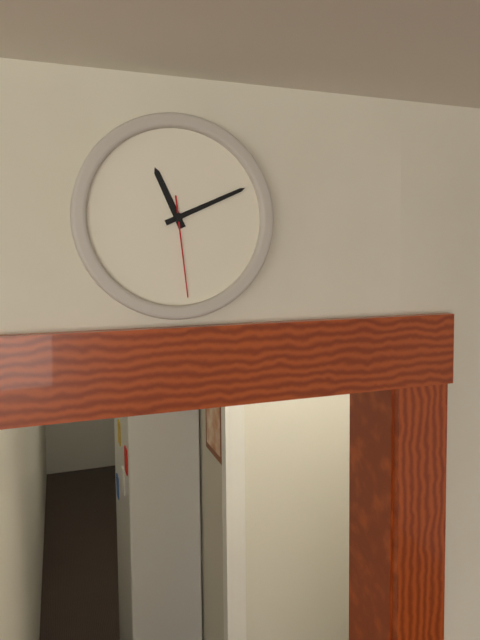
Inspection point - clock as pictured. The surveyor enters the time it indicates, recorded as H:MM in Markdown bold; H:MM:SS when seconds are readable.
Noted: **11:11:29**
